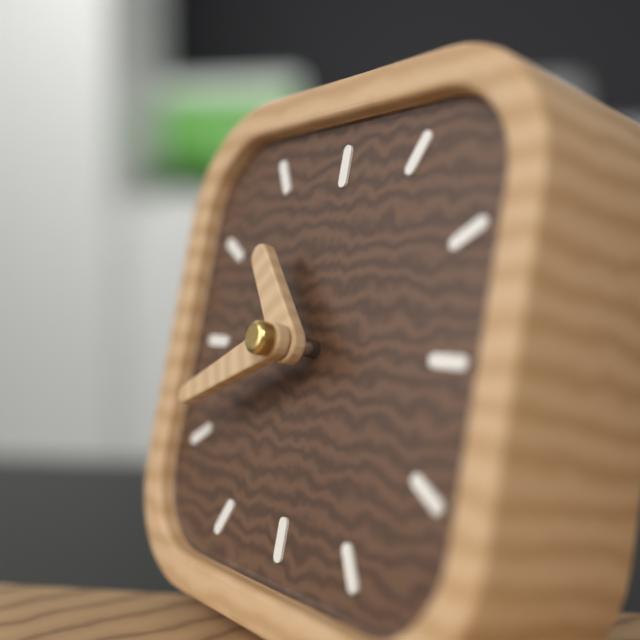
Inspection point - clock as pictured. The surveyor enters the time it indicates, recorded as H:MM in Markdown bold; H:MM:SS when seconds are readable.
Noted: **10:41**
